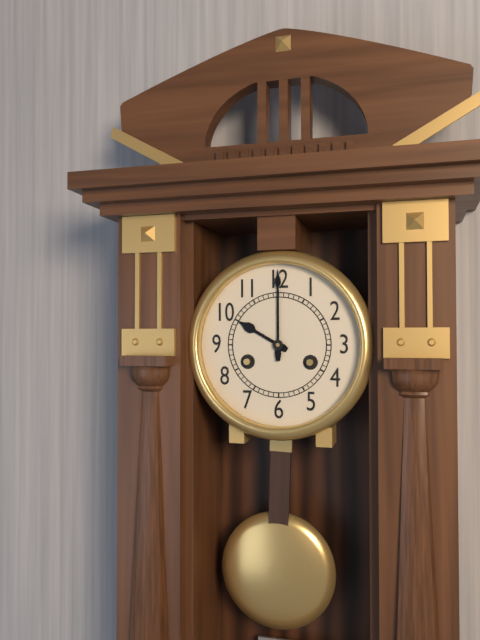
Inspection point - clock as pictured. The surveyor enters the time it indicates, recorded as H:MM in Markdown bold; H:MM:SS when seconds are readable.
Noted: **10:00**
